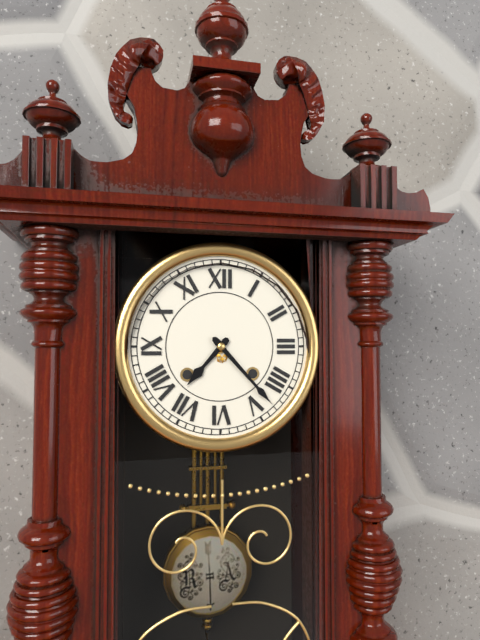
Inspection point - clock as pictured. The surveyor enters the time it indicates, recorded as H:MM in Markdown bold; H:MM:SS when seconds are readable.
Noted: **7:23**
